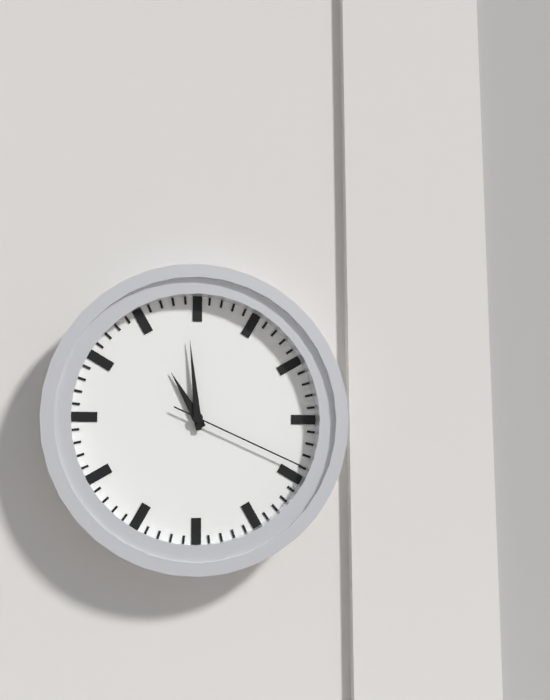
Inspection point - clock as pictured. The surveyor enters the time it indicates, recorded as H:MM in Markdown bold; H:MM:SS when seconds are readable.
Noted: **10:59:19**
